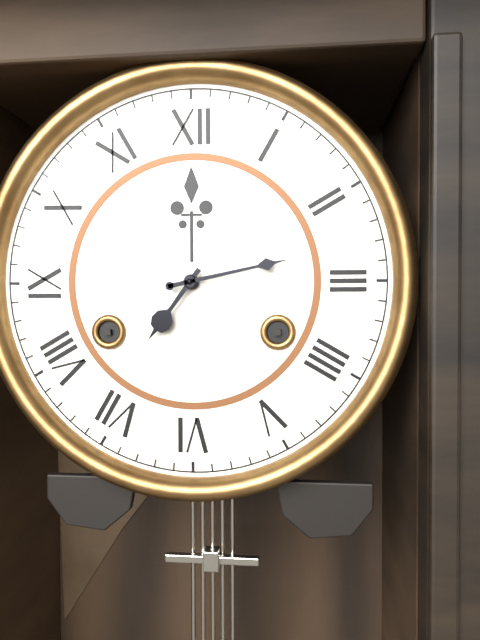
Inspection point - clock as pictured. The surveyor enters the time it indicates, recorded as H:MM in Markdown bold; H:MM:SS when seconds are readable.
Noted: **7:13**
